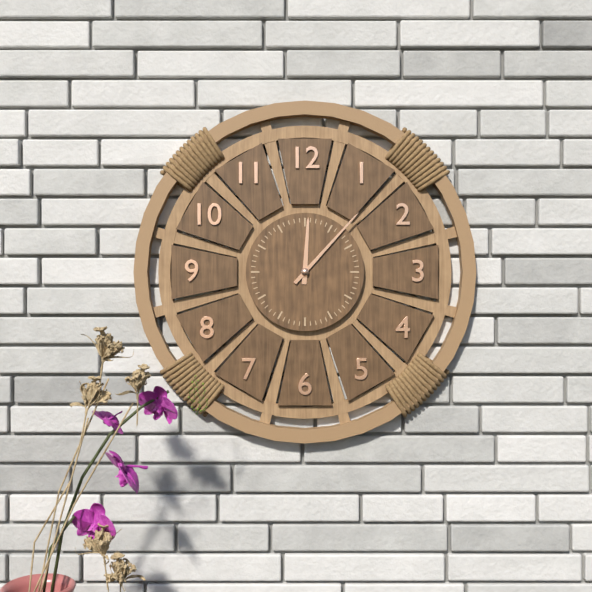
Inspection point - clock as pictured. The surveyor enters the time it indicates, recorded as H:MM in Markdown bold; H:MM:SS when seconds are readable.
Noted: **12:07**
